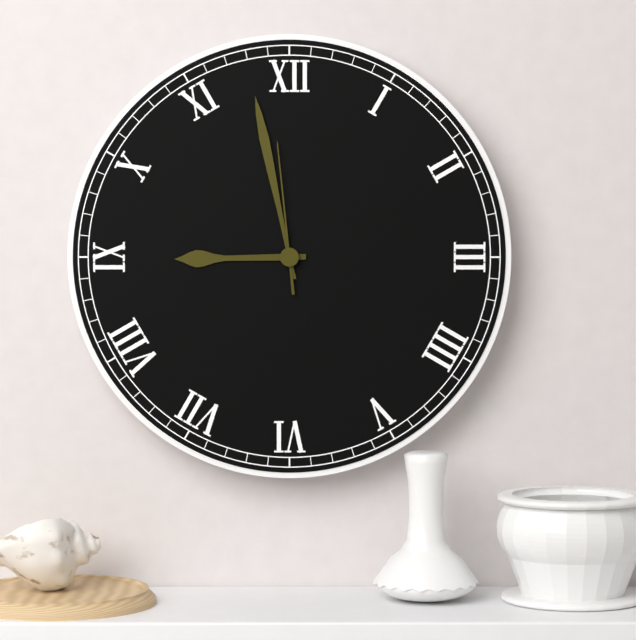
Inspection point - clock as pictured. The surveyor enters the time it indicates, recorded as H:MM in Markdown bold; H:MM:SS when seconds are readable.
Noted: **8:58:59**
